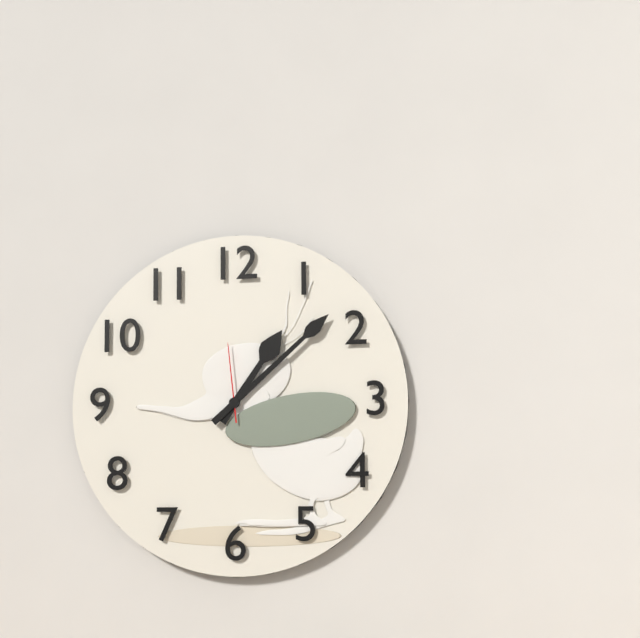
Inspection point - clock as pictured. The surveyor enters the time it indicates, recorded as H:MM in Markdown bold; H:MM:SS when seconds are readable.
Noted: **1:08:59**
